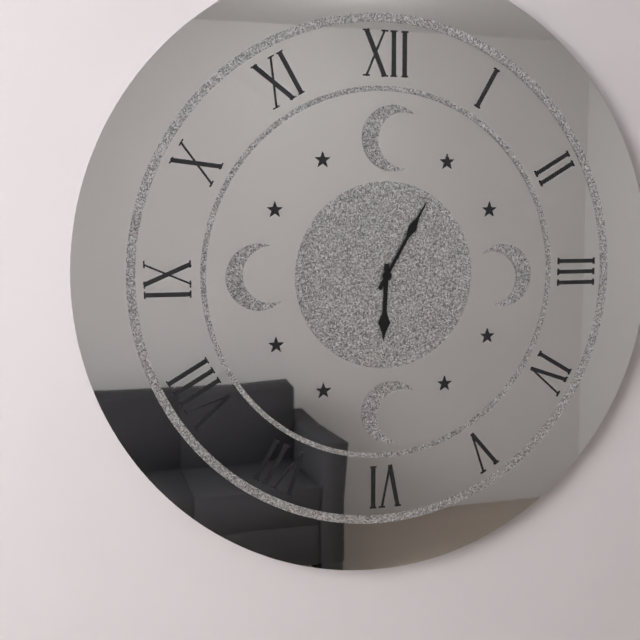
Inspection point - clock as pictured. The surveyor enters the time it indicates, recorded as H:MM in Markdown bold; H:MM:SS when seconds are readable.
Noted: **6:05**
